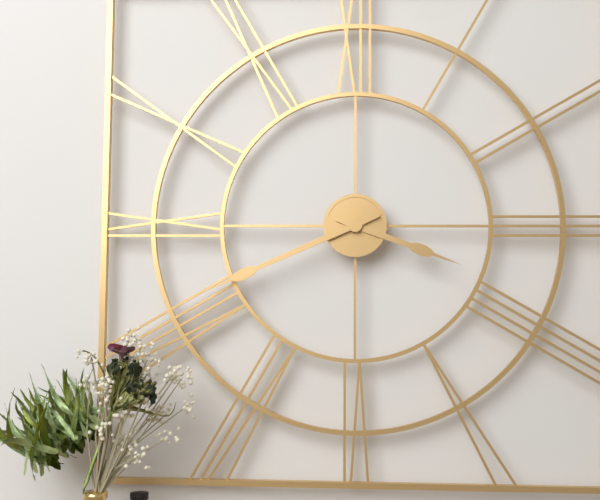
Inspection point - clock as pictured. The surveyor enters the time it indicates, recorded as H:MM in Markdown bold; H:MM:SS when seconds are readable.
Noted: **3:41**
